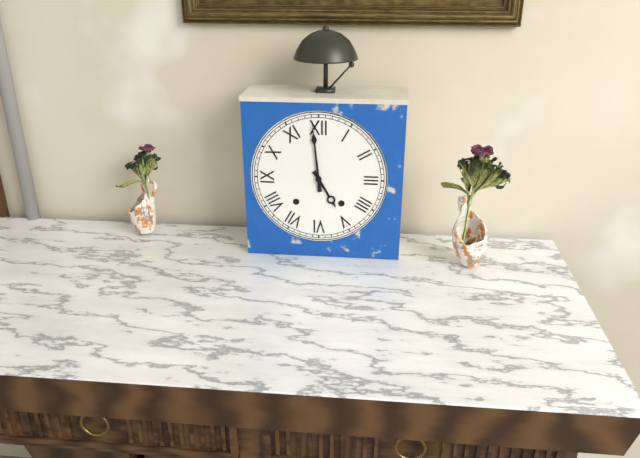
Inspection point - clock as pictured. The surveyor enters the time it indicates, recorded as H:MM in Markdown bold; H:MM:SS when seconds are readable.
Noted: **4:59**
